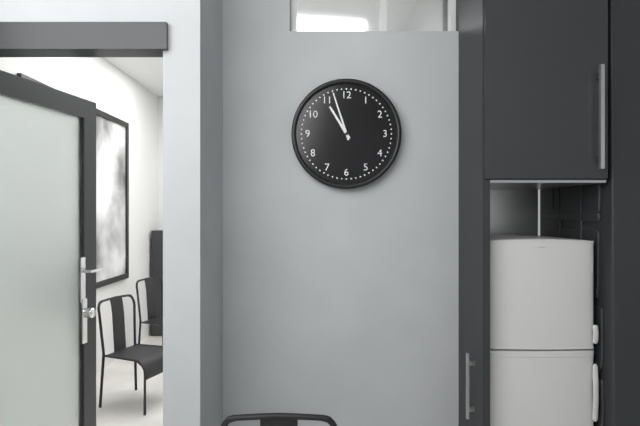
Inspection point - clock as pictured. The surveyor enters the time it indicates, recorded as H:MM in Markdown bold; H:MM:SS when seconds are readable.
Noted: **10:57**
